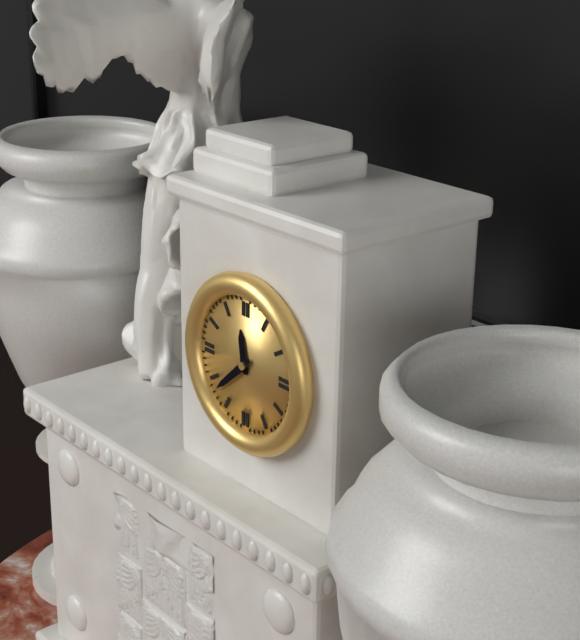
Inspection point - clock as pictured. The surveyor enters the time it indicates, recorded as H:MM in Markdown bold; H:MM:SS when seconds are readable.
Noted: **11:38**
